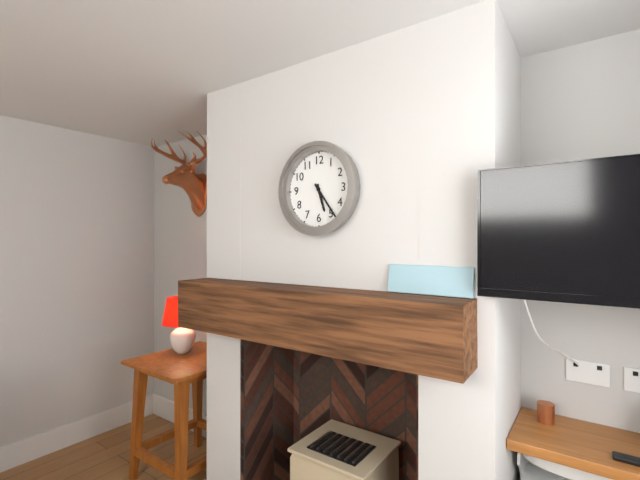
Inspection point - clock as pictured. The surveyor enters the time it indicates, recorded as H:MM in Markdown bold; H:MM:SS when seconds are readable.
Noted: **5:24**
